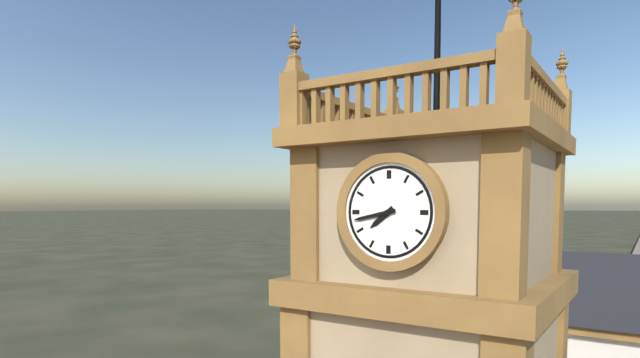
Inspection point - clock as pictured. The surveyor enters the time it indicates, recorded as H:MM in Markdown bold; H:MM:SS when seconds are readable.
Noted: **7:43**
